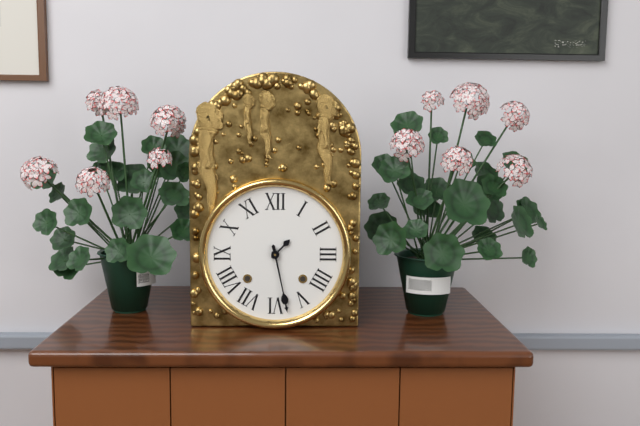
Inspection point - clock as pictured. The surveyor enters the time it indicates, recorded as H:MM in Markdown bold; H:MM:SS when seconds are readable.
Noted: **1:28**
